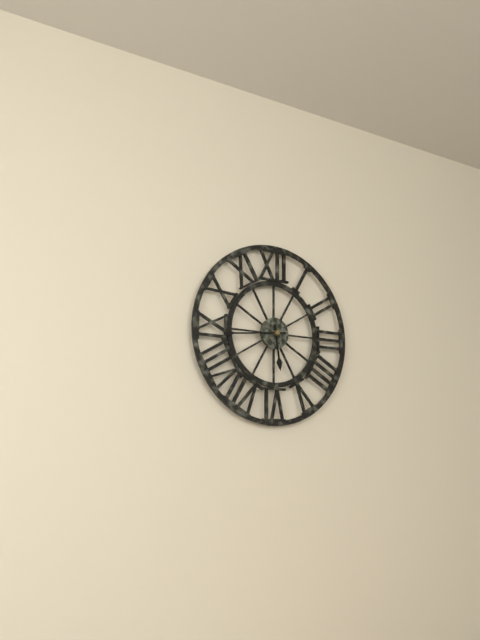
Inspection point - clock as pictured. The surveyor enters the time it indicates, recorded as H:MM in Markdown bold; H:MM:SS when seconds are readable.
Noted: **5:44**
